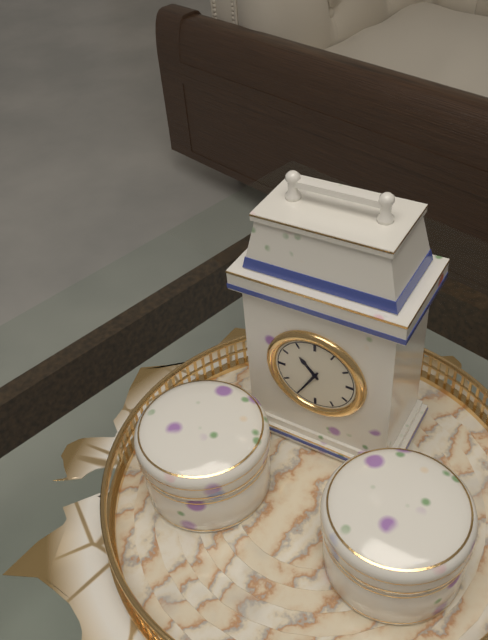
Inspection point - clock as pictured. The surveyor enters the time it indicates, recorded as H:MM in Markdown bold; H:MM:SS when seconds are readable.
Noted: **10:35**
